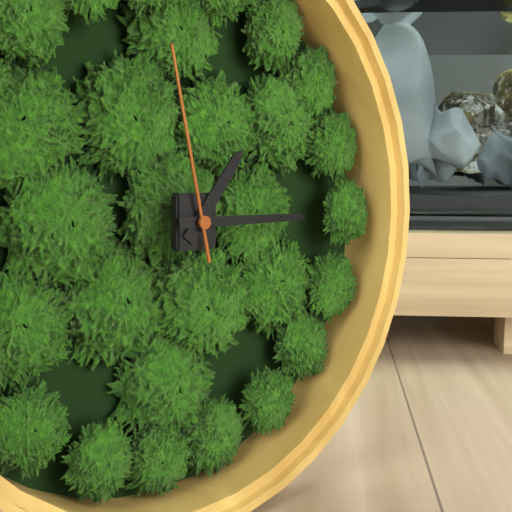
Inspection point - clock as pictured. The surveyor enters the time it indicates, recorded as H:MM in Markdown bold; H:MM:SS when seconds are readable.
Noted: **1:15:58**
